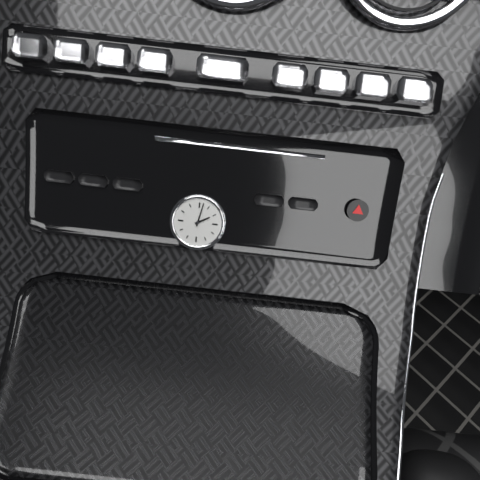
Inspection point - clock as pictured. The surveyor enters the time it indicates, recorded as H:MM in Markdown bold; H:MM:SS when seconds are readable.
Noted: **2:02**
